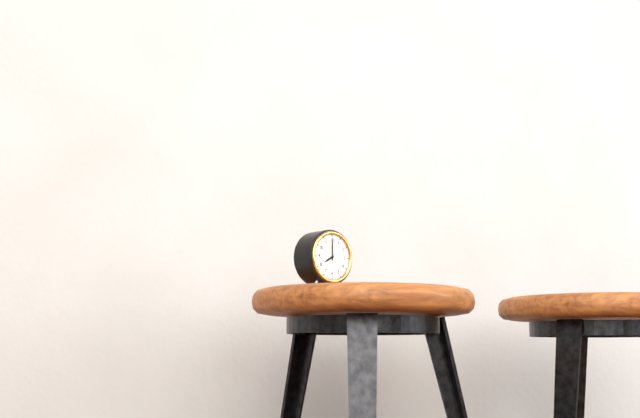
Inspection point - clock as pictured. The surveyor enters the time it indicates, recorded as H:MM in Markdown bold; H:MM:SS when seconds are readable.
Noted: **8:00**
